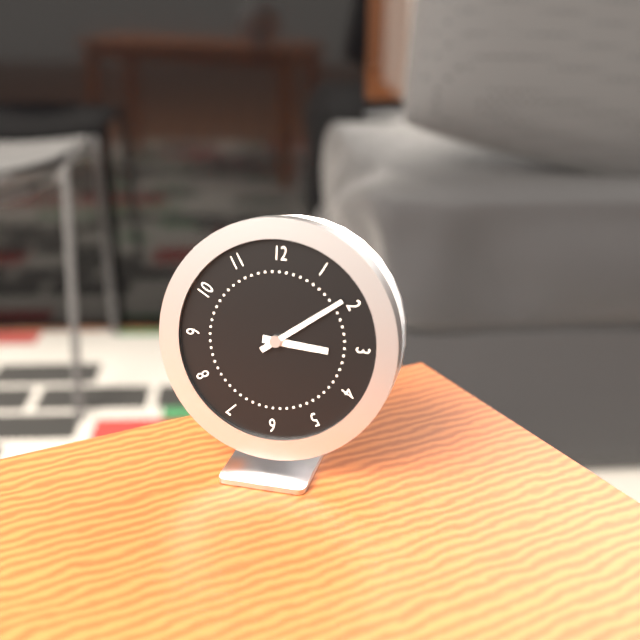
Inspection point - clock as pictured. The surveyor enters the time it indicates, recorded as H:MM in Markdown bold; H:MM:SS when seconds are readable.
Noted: **3:09**
